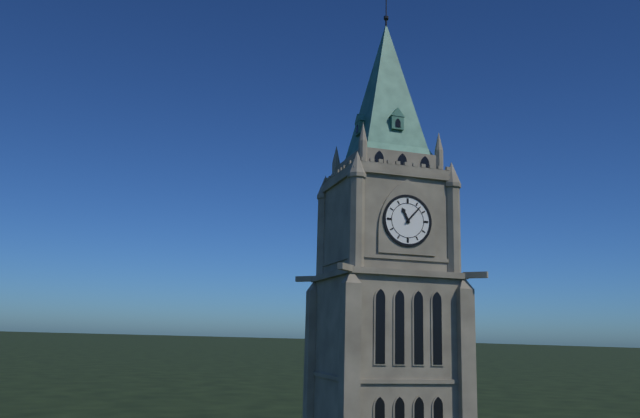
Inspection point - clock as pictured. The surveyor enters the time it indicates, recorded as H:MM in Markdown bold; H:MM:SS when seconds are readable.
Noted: **11:07**
